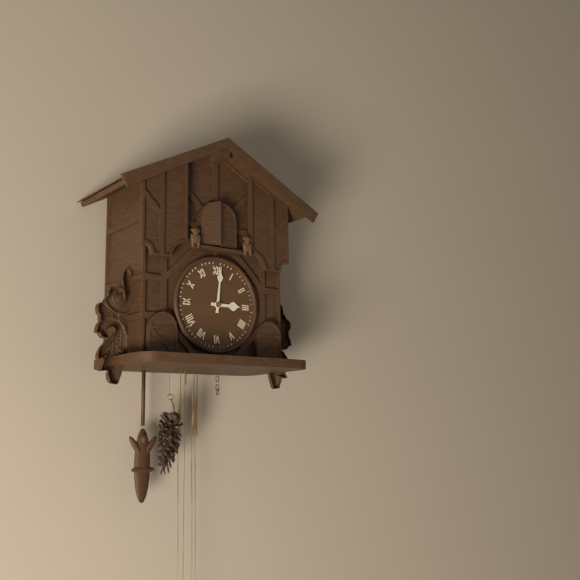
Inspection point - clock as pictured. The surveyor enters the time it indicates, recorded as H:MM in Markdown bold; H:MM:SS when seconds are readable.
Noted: **3:01**
